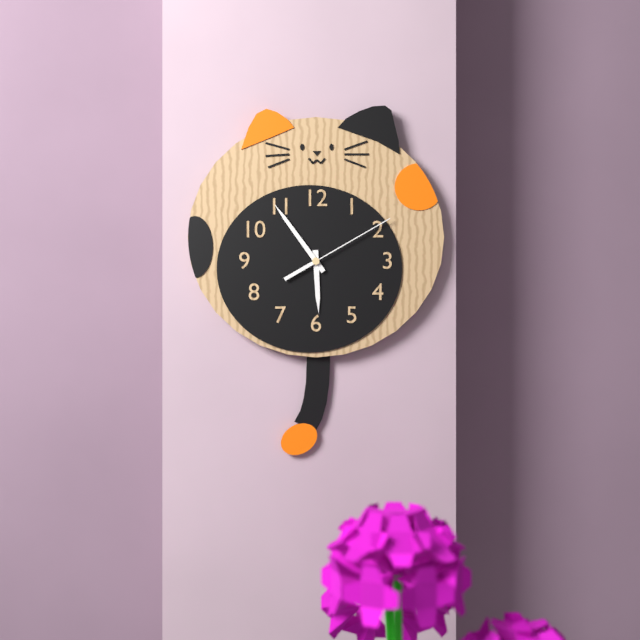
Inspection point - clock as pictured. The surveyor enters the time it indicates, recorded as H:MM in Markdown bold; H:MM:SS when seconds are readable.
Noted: **5:54:10**
